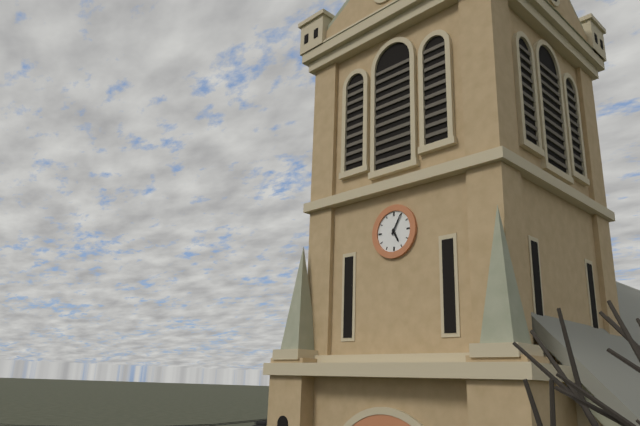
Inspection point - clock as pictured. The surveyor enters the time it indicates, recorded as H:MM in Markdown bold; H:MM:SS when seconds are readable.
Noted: **5:05**
